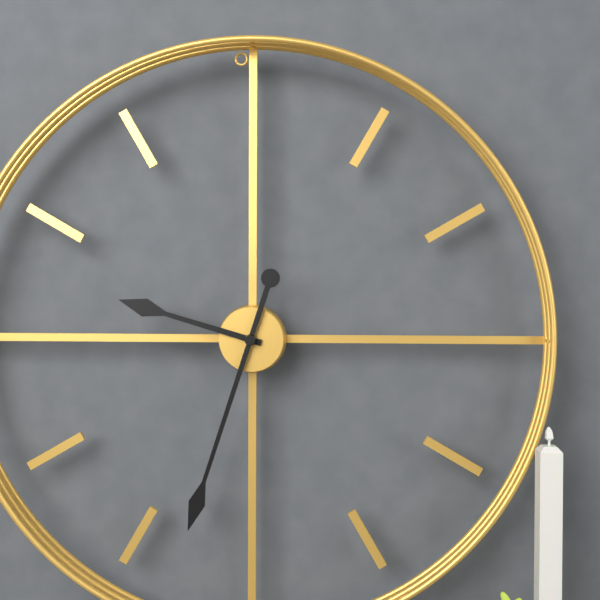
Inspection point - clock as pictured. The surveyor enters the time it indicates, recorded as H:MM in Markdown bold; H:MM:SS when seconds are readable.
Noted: **9:33**
